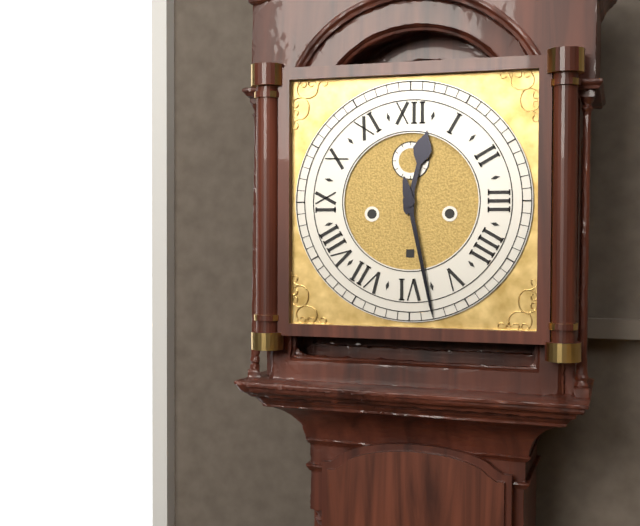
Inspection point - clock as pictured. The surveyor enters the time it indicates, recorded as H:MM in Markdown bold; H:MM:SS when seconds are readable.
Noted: **12:28**
